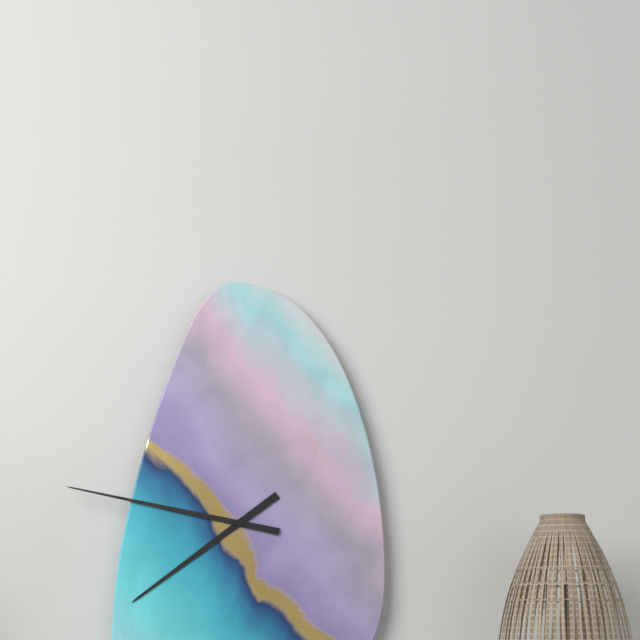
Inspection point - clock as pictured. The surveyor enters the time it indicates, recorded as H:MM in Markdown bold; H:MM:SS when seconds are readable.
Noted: **7:47**
